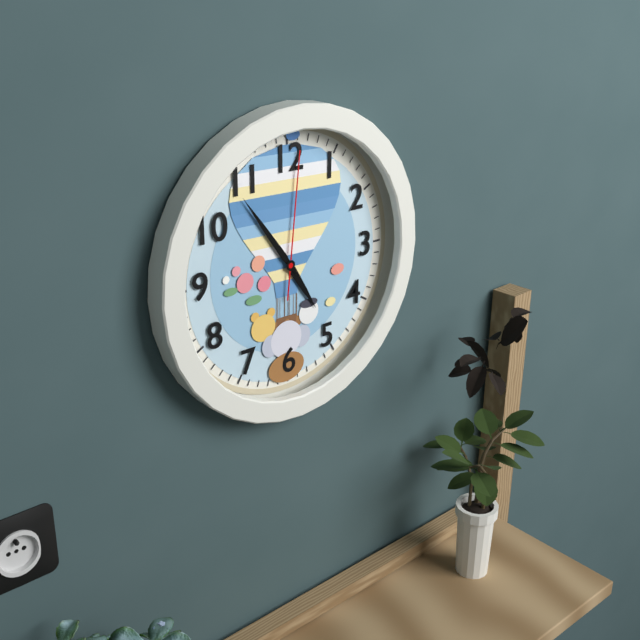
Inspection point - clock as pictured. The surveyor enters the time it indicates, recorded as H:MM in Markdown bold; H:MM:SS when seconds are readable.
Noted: **4:54:01**
